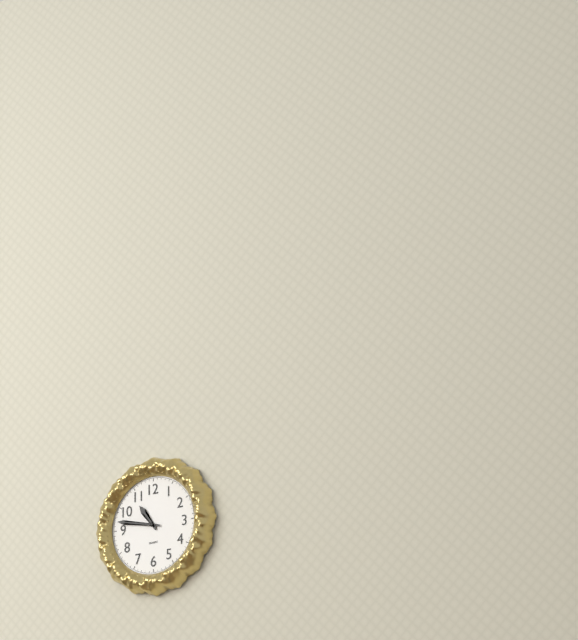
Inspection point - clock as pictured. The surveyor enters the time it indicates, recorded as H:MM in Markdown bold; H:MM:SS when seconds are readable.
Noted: **10:47**
